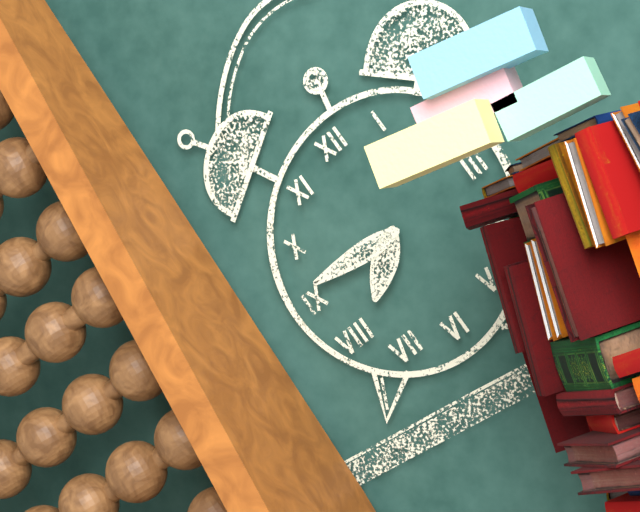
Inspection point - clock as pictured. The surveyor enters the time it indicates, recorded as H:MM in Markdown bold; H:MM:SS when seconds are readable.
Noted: **7:46**
